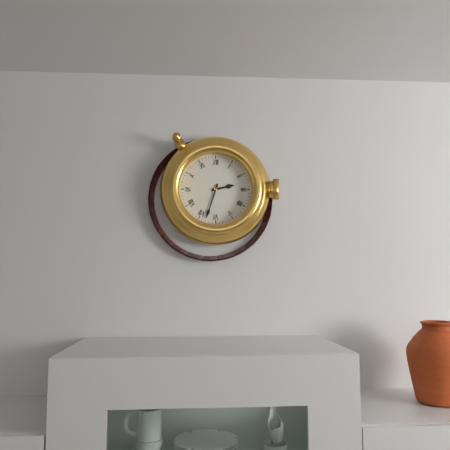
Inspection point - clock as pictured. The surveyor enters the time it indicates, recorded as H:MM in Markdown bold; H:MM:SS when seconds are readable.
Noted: **2:33**
